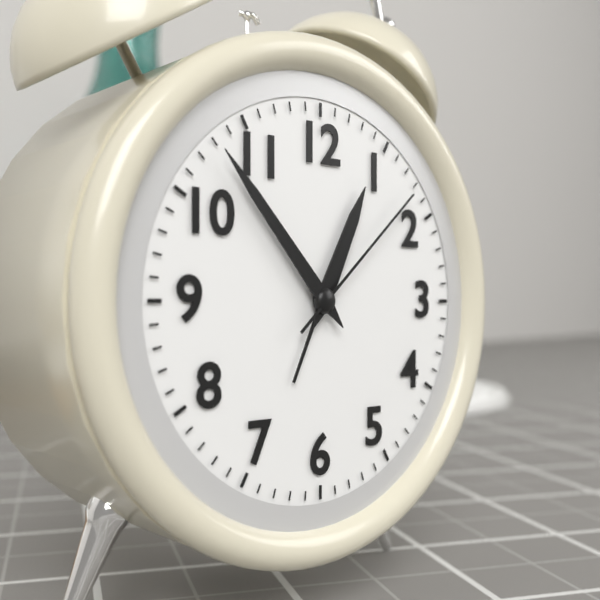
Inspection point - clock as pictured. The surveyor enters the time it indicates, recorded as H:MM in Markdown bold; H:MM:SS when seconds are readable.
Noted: **12:53:08**
